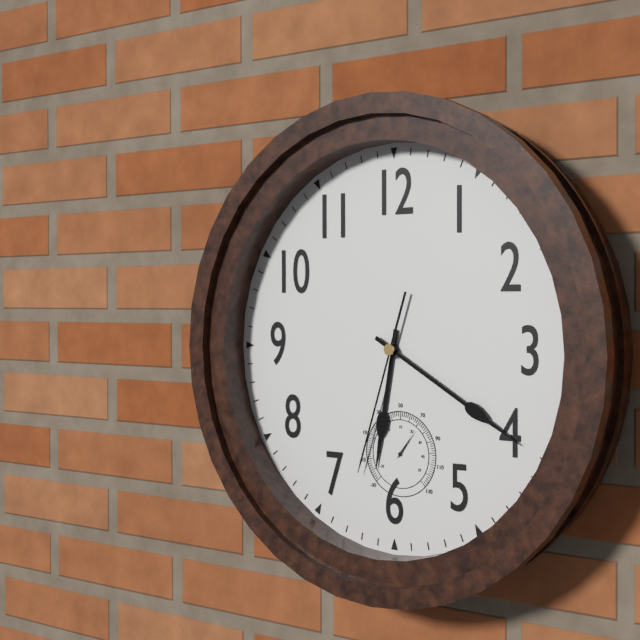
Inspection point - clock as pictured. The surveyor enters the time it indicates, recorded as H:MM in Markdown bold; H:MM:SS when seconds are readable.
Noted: **6:20:33**
